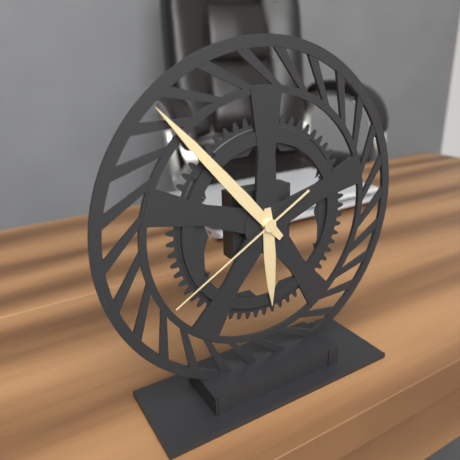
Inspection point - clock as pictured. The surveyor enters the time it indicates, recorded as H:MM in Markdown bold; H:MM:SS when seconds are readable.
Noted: **5:53:40**
